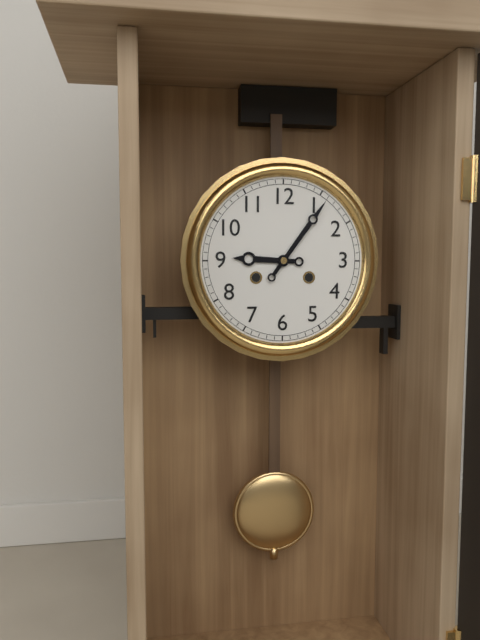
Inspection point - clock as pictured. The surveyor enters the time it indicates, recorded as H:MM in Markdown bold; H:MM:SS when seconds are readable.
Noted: **9:06**
